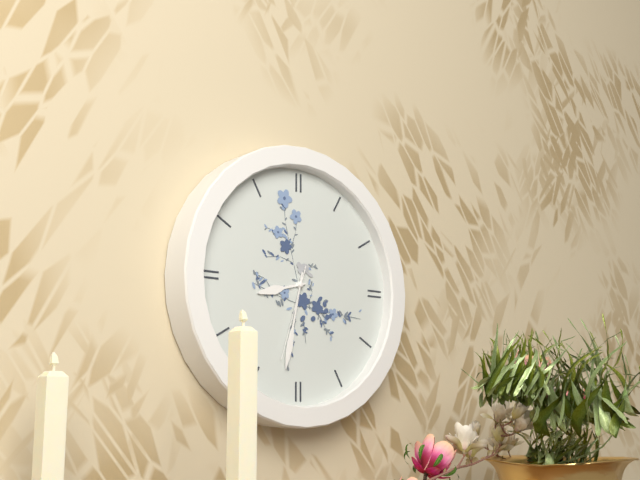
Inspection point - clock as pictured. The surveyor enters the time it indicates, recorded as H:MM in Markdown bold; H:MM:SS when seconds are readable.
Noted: **8:32:33**
